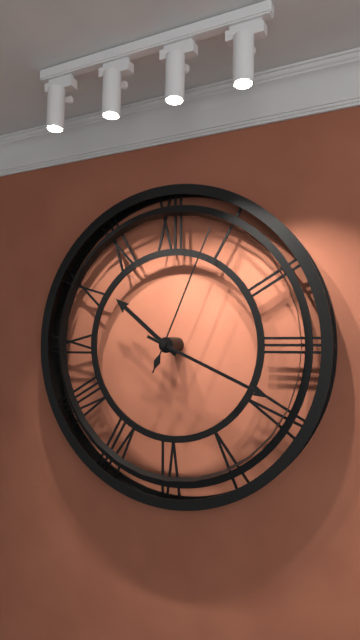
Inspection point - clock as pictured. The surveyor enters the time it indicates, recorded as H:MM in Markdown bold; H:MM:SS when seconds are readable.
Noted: **10:19:04**
